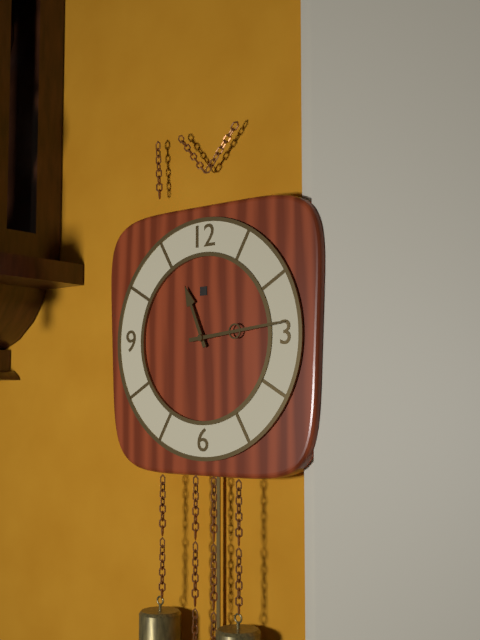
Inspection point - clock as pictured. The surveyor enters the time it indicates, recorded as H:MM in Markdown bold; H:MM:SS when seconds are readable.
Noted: **11:14**
